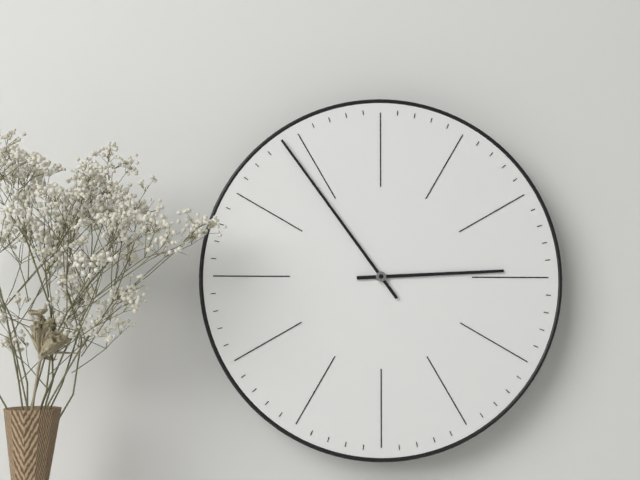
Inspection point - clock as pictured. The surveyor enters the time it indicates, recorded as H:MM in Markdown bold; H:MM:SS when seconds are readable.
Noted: **2:54**
